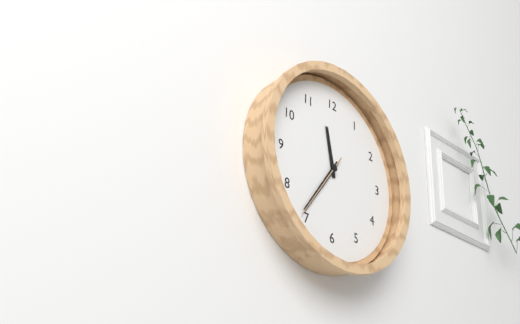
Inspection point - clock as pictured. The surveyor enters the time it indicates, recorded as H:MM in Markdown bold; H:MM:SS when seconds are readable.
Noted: **11:36:36**
